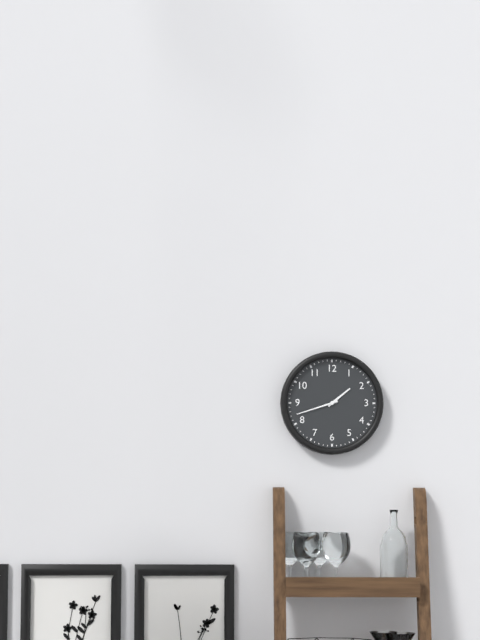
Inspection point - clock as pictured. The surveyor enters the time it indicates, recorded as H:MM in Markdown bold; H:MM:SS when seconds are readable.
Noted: **1:42**
